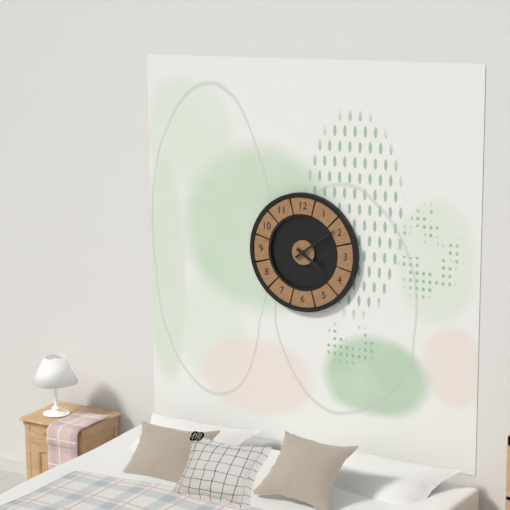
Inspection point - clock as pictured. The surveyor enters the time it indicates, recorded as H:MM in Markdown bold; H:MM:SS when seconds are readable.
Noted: **4:09**
